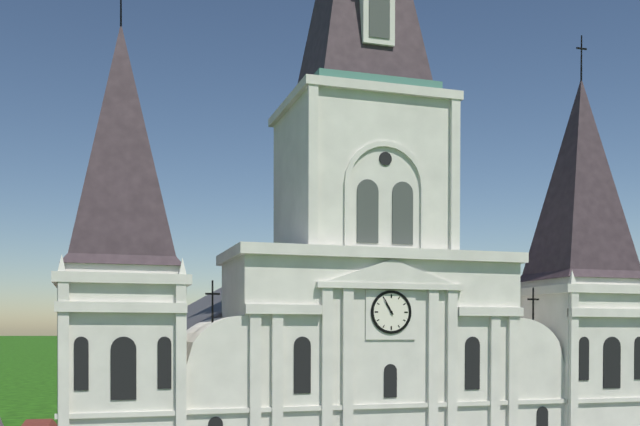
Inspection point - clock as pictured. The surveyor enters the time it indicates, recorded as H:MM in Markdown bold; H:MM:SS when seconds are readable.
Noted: **10:55**
